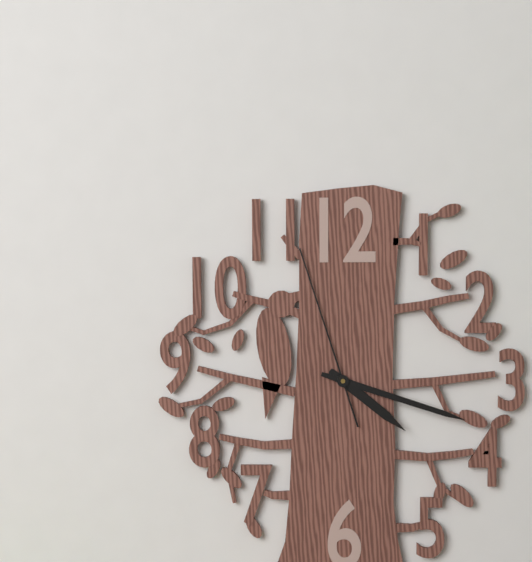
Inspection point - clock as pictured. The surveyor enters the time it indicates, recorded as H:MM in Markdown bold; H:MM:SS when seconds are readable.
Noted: **4:18:57**
